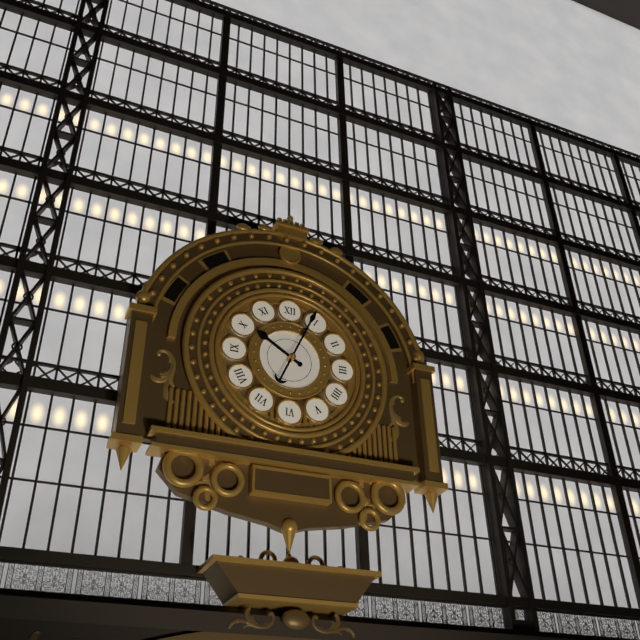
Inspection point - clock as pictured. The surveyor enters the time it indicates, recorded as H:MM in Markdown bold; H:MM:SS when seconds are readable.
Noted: **10:04**
